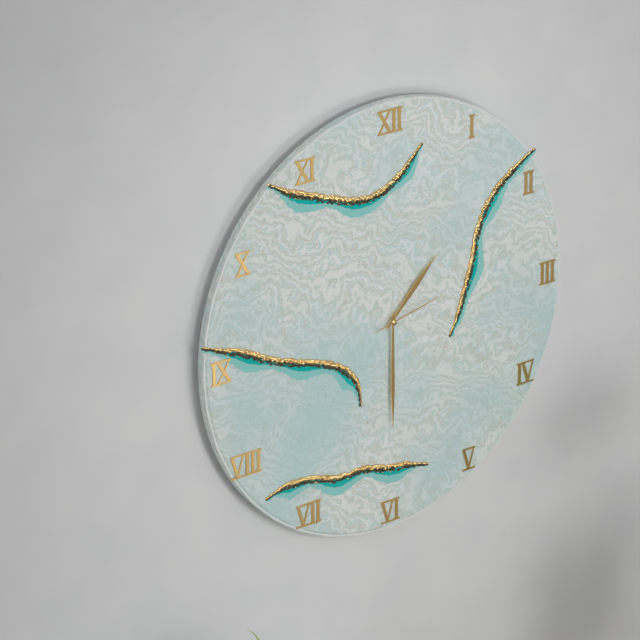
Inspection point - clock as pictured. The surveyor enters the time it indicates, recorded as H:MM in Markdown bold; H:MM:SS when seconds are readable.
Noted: **1:30:13**
